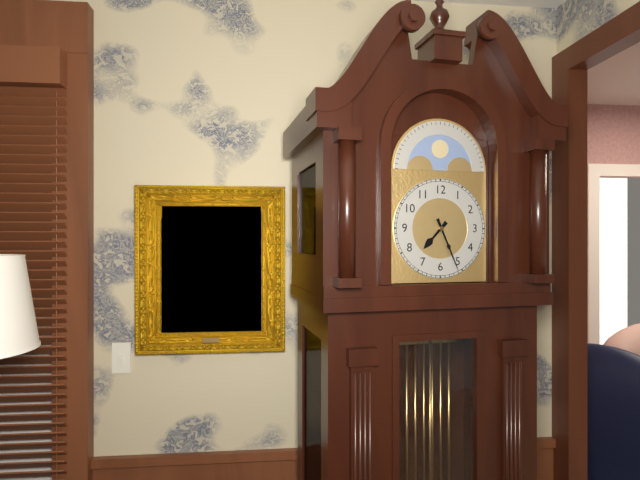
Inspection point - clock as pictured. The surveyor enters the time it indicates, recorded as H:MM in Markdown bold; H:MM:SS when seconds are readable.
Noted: **7:26**
